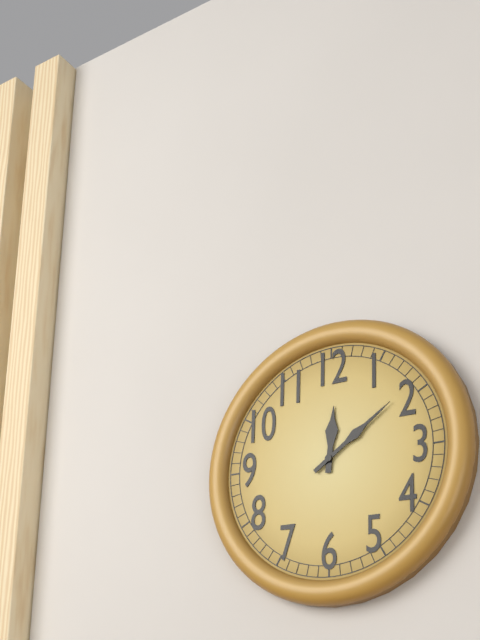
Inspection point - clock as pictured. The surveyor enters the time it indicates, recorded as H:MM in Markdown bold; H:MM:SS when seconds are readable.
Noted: **12:09**
